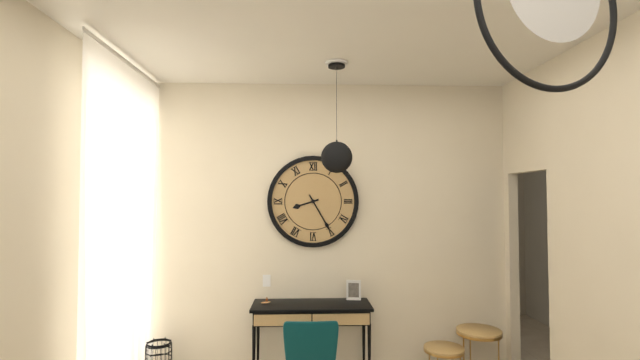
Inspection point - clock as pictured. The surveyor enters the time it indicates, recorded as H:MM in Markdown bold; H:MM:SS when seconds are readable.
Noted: **8:25**
